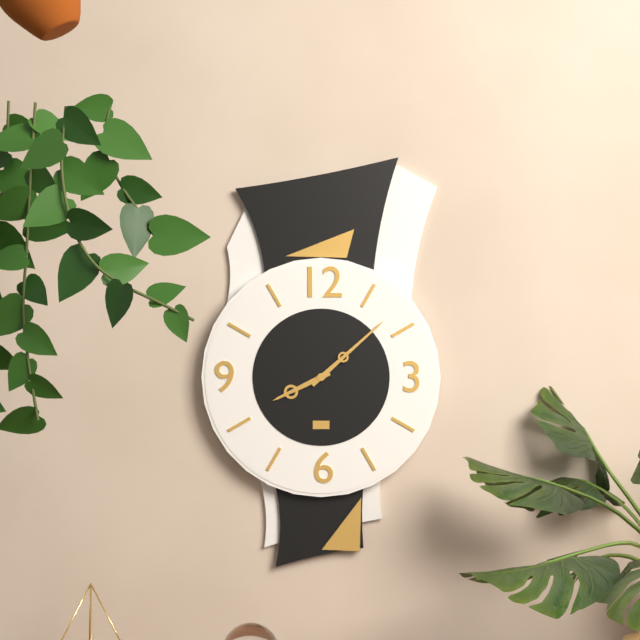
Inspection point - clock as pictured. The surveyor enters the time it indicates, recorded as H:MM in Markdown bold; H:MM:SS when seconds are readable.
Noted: **8:08**
